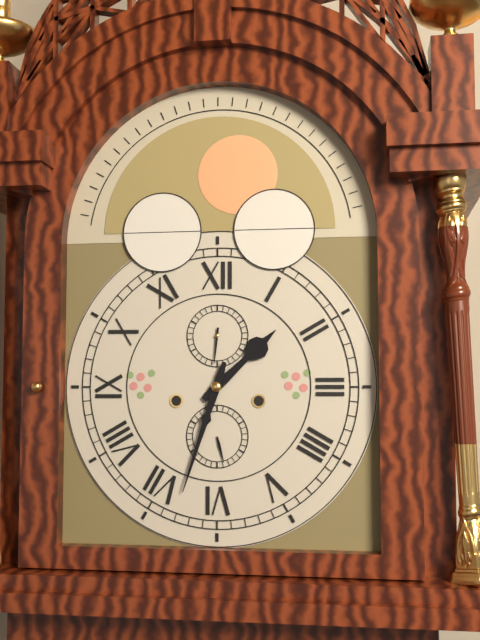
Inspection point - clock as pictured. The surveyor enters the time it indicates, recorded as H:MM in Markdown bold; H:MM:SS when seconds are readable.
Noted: **1:33**
